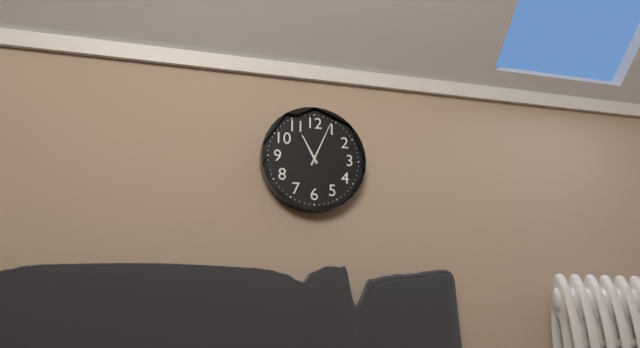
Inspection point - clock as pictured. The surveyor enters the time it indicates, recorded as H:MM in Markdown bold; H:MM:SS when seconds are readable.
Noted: **11:04**
